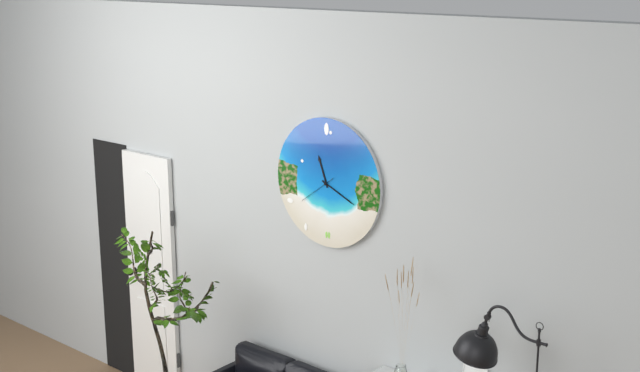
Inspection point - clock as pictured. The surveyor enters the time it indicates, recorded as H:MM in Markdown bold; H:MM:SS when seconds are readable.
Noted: **11:19**
